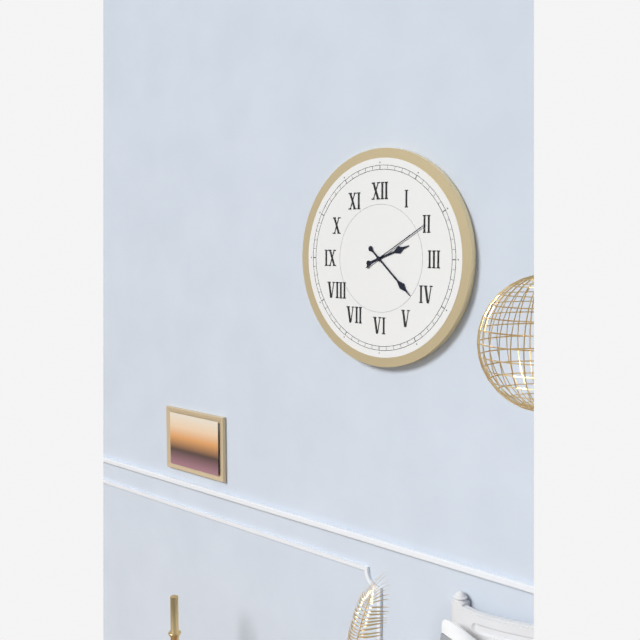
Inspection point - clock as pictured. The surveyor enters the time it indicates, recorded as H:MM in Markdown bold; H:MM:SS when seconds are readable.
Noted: **2:22:10**
